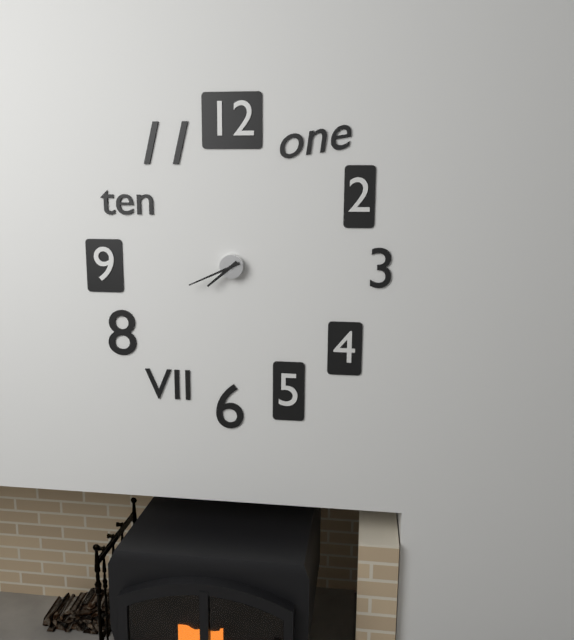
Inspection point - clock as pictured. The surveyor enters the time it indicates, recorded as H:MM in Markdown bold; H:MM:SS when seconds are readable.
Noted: **7:41**
